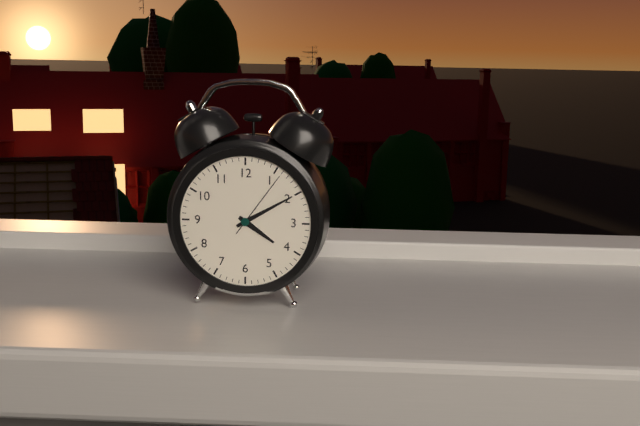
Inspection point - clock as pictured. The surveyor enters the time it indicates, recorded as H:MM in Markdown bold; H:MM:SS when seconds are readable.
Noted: **4:10:06**
